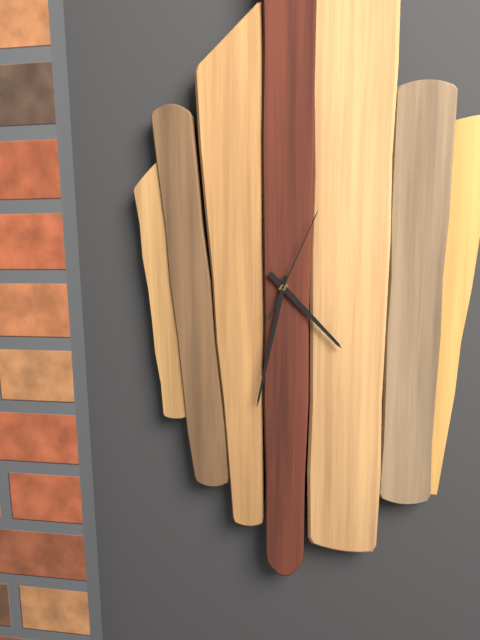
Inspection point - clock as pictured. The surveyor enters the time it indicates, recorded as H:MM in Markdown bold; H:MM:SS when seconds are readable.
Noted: **4:32:04**
